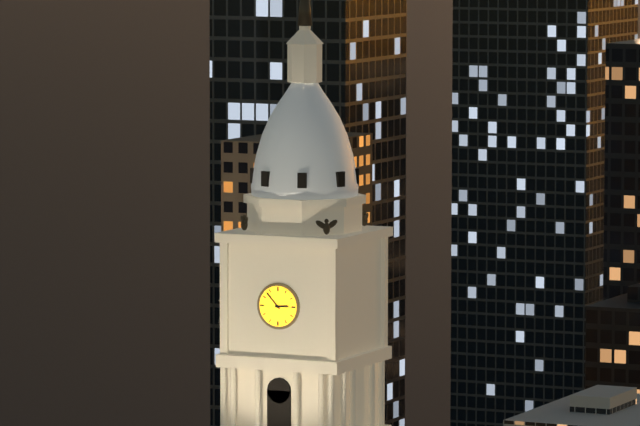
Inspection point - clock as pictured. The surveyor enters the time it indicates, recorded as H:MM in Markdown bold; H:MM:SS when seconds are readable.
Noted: **2:53**
